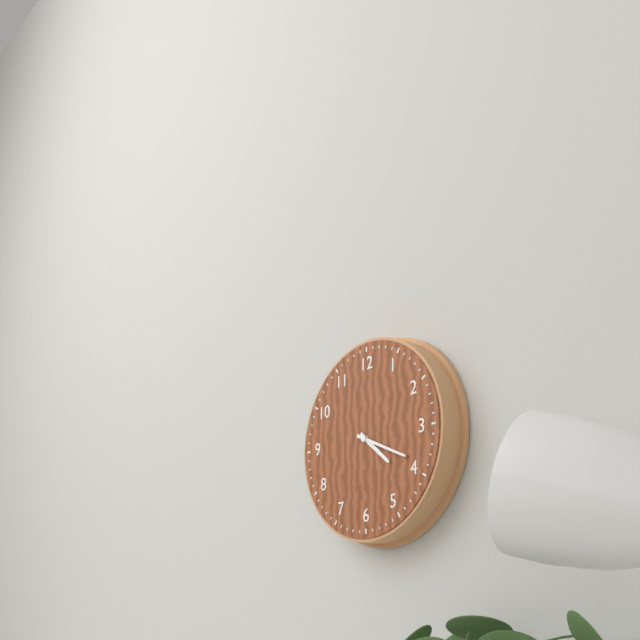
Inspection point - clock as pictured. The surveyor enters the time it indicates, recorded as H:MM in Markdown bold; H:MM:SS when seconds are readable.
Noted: **4:19**
